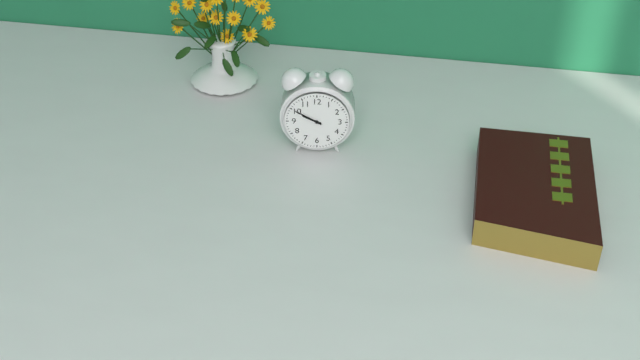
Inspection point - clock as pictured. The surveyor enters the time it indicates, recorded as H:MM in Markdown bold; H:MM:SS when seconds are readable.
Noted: **9:50**
